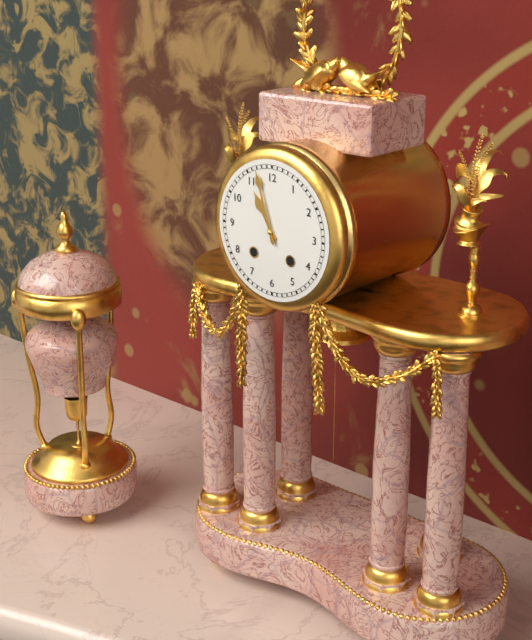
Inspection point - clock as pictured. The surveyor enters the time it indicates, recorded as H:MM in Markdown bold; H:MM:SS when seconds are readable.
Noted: **10:57**
